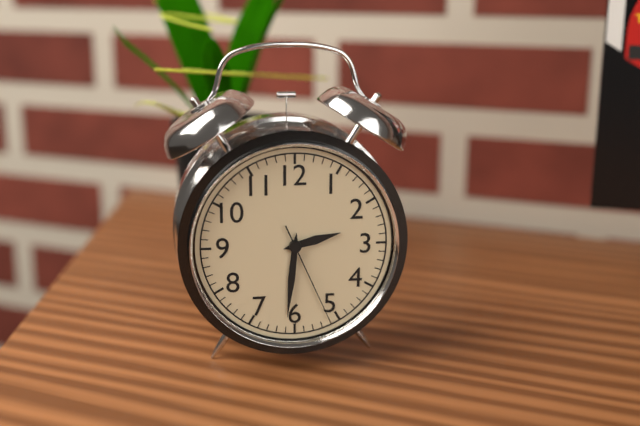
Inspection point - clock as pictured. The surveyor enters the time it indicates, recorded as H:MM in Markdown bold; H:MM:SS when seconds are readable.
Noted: **2:31:26**
